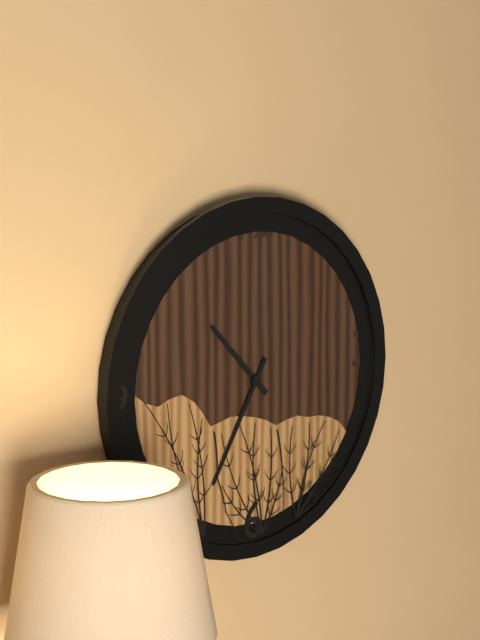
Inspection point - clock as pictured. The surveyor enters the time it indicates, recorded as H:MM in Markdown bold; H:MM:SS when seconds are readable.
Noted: **10:35**
